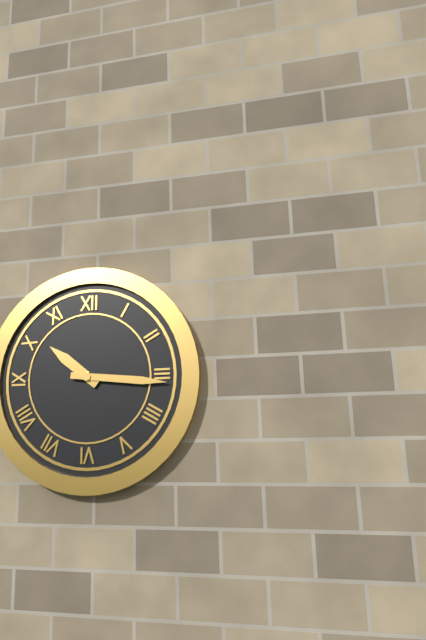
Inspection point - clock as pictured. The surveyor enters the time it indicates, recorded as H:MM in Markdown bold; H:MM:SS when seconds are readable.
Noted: **10:16**
